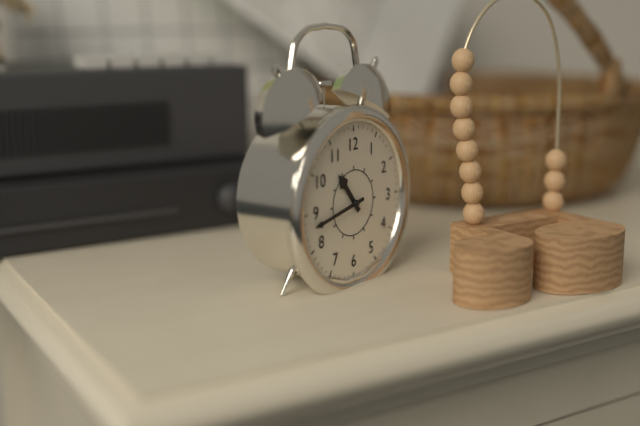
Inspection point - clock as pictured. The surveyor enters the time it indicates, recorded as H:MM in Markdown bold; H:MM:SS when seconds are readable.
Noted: **10:43**
